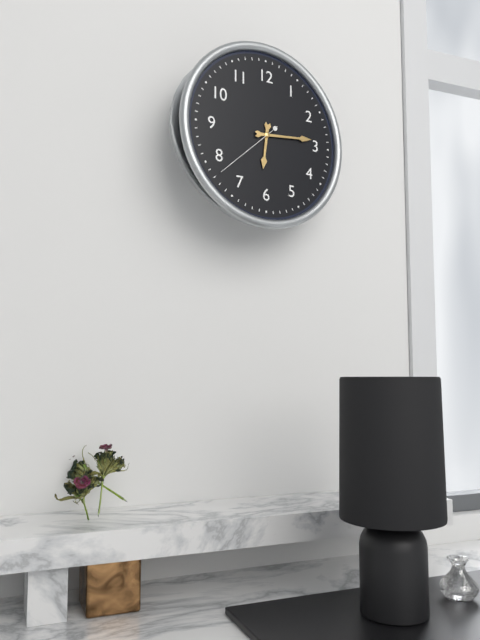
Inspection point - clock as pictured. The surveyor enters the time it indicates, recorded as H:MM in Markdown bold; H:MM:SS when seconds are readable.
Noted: **6:14:38**
